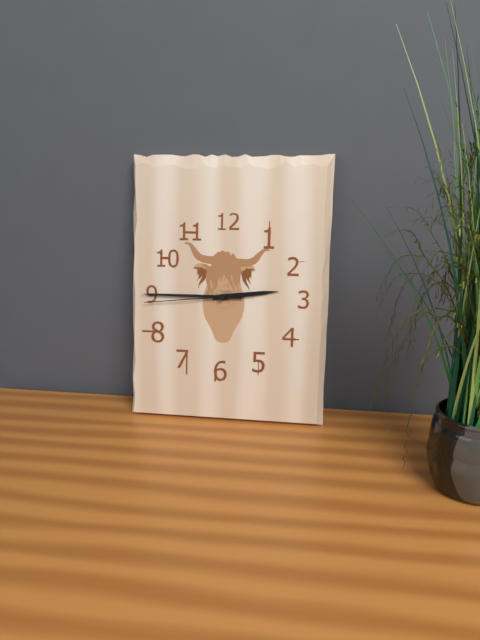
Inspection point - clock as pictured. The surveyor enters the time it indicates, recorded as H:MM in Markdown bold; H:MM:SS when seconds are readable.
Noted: **2:45:44**
